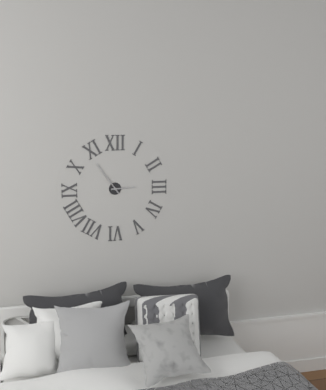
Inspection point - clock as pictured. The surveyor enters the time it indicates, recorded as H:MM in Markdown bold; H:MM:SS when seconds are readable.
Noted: **2:54**
